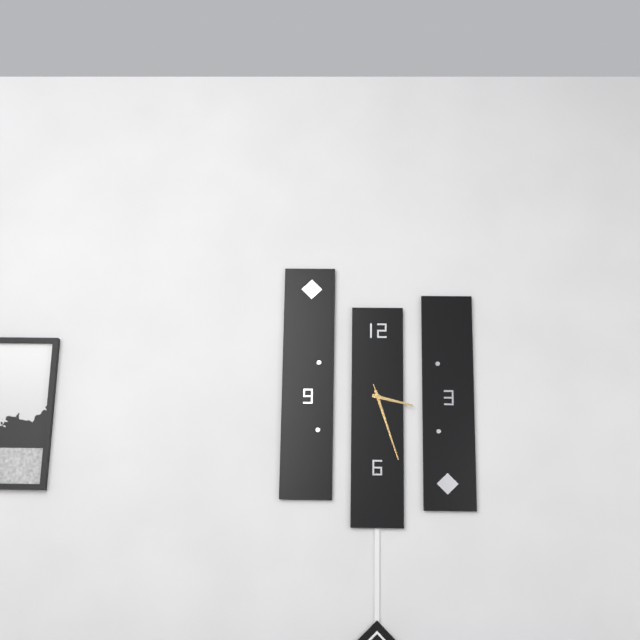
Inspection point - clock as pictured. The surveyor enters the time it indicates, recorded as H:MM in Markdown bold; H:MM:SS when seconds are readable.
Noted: **3:27:27**
